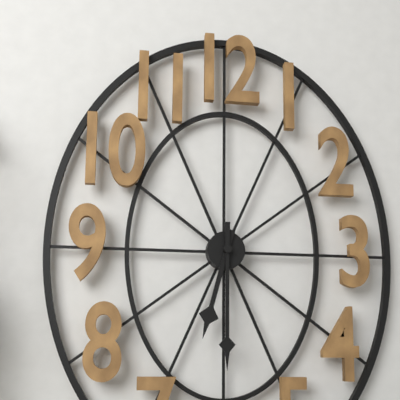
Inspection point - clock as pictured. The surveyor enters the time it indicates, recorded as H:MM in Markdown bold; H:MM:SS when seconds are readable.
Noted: **6:30**
